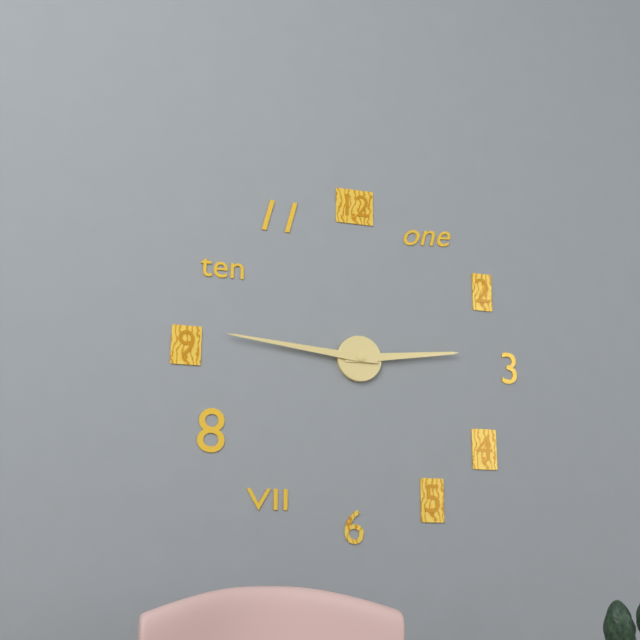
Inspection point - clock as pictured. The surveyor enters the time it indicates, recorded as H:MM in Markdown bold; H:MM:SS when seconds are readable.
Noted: **2:46**
